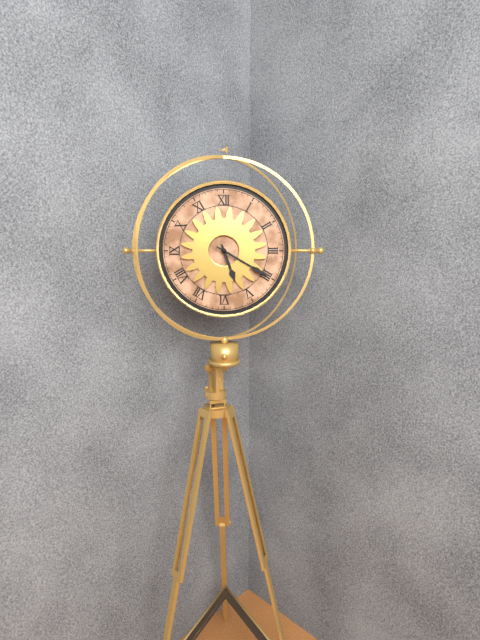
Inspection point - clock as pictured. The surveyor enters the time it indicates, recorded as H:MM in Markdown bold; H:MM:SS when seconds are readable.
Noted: **5:20**
